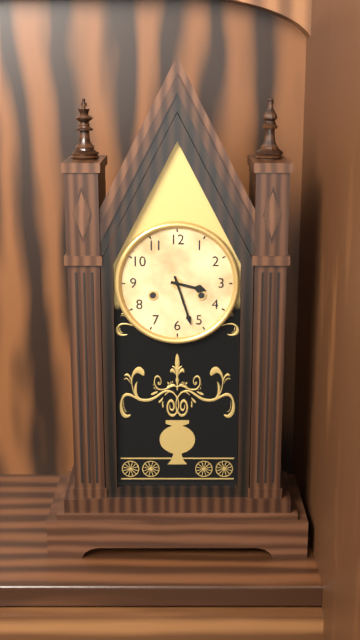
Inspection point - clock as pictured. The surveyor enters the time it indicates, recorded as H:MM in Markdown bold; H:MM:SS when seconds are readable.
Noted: **3:27**
